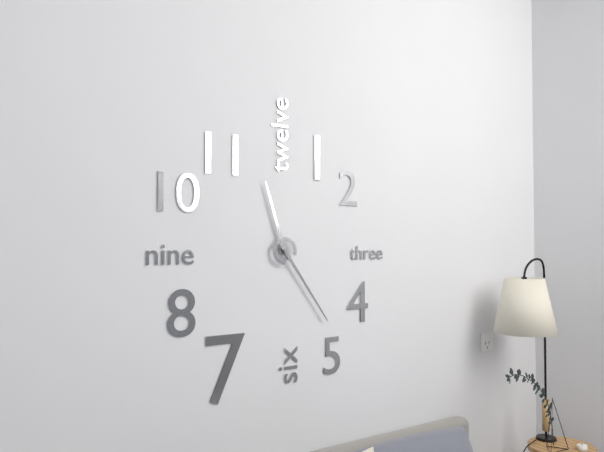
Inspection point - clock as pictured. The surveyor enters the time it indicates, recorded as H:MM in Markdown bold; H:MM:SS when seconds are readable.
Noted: **11:24**
